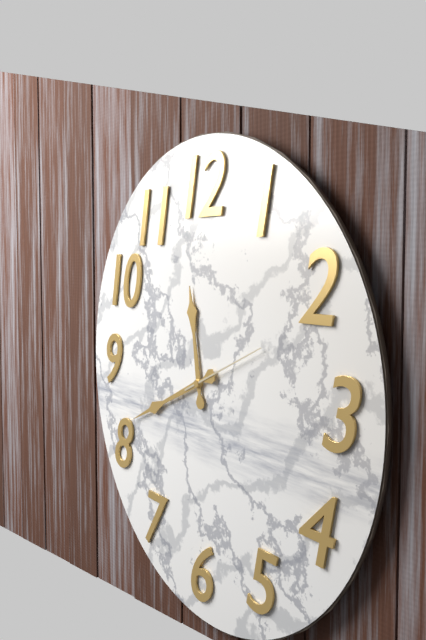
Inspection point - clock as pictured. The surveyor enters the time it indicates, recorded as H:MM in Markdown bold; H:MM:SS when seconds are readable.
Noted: **11:41:11**
